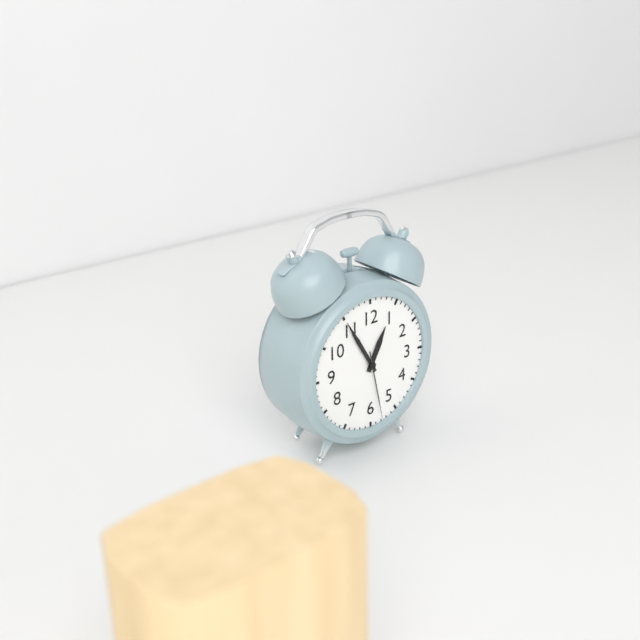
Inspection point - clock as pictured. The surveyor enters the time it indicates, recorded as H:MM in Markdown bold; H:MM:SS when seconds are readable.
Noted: **12:55:28**
